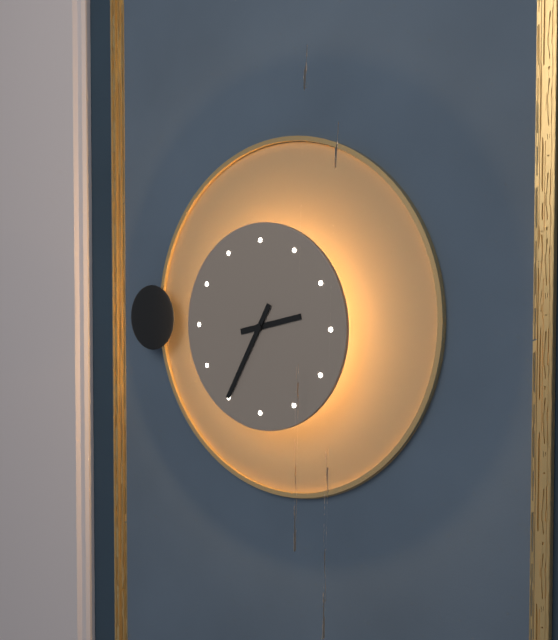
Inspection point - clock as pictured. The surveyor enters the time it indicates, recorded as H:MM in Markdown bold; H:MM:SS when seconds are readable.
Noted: **2:35**
